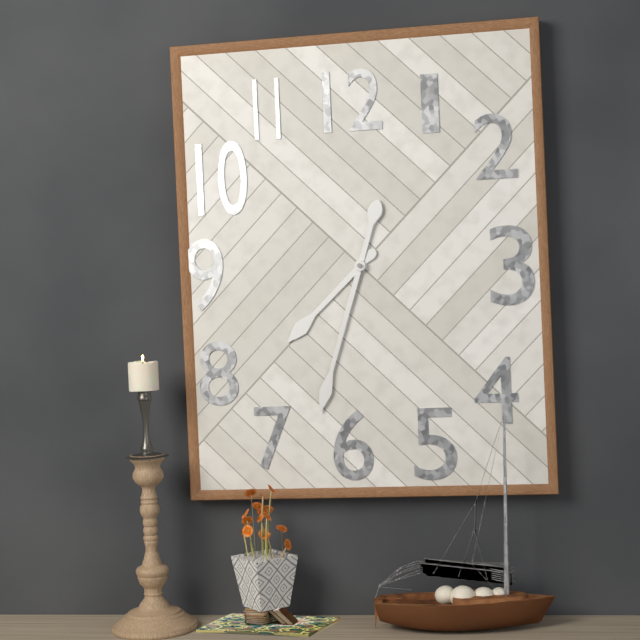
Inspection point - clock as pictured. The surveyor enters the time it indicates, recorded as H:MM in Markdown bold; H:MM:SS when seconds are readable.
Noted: **7:33**
